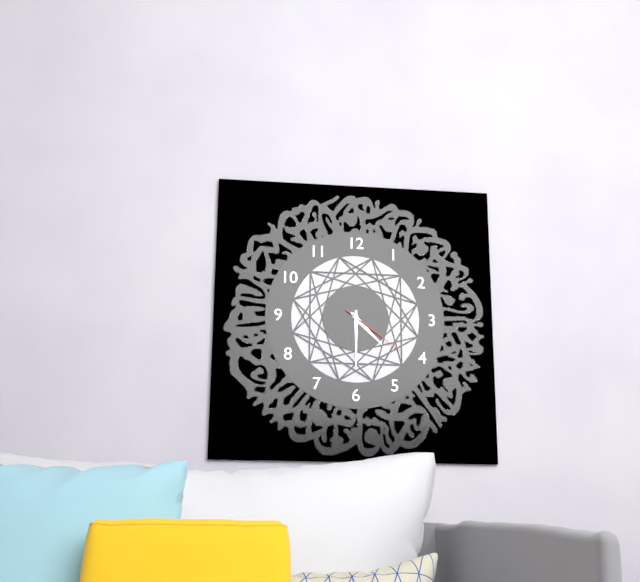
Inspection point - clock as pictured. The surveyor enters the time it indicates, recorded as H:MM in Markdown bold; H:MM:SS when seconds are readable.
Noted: **4:30:21**
